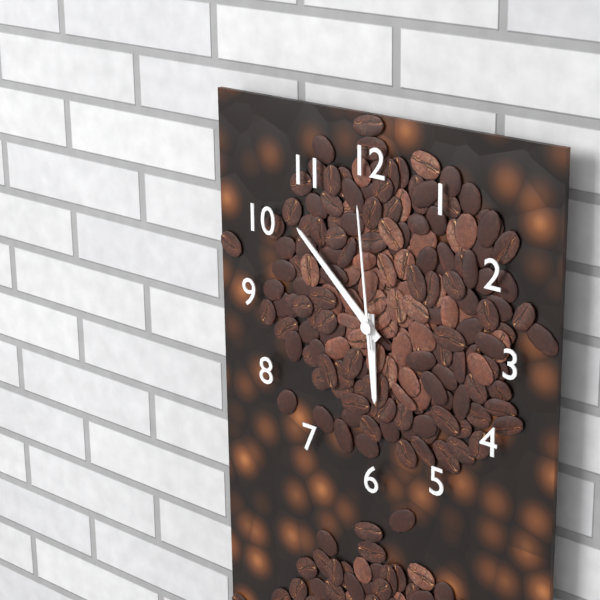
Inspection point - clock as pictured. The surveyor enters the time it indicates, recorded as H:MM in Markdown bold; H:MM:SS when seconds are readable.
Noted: **5:52:59**
